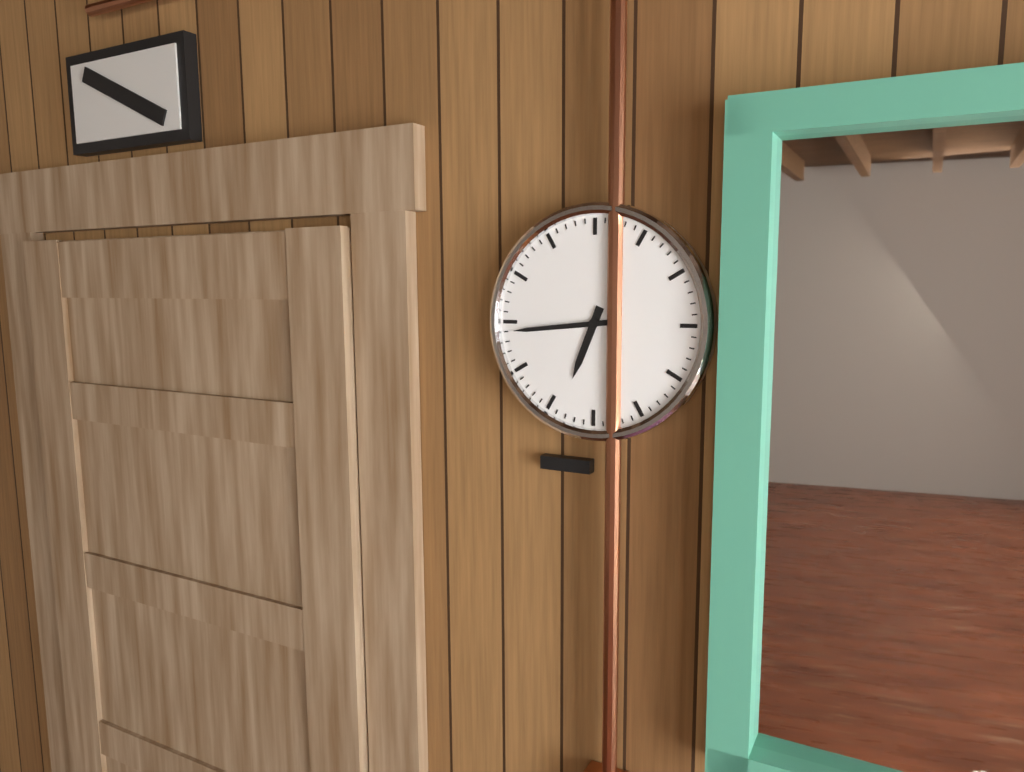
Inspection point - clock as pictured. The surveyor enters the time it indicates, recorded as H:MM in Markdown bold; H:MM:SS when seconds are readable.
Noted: **6:44**
